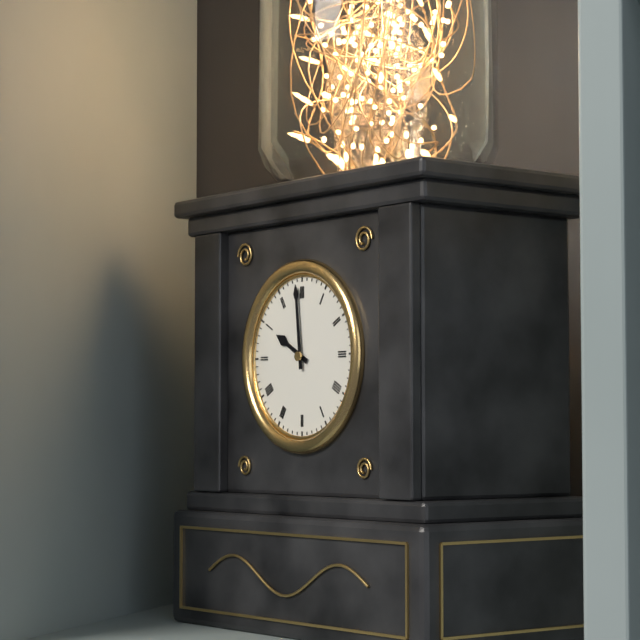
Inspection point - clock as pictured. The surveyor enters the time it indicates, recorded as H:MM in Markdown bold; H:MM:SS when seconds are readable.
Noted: **9:59**
